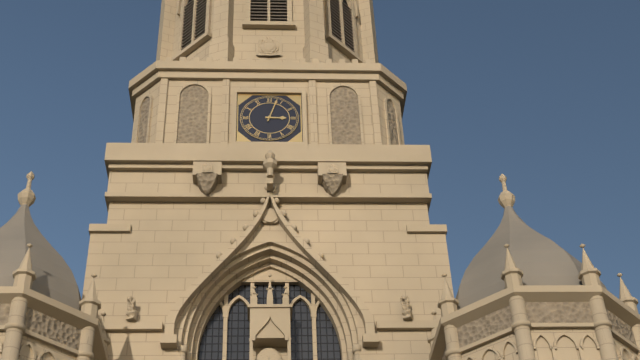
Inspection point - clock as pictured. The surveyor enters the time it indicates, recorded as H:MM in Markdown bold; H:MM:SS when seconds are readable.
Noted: **3:03**
